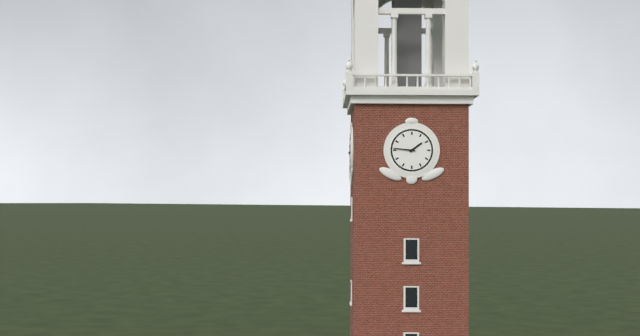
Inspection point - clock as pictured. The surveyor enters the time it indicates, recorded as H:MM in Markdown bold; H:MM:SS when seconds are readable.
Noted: **1:46**
